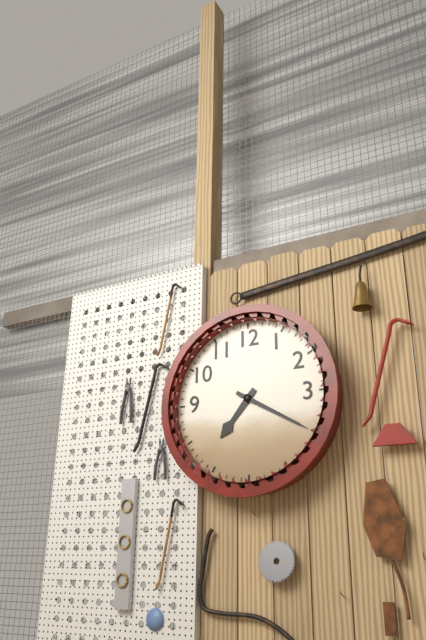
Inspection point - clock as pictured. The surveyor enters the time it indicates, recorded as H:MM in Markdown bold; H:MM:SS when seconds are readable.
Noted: **7:20**
